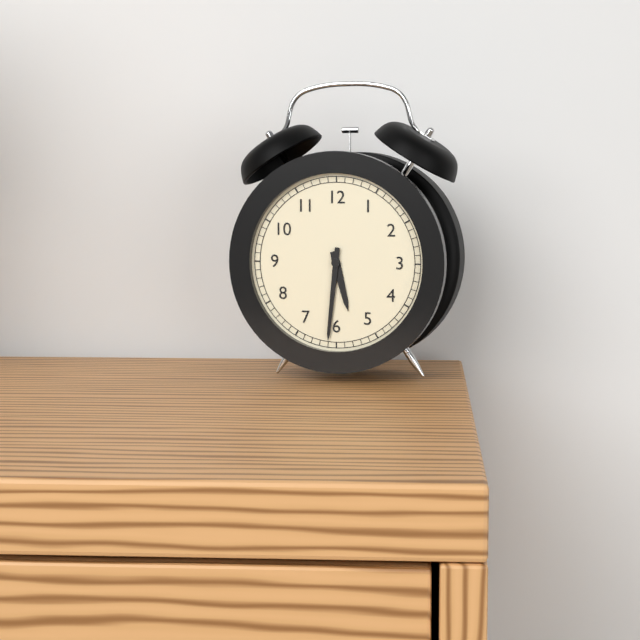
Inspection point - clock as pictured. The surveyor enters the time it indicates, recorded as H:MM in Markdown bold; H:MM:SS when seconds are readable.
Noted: **5:31**
